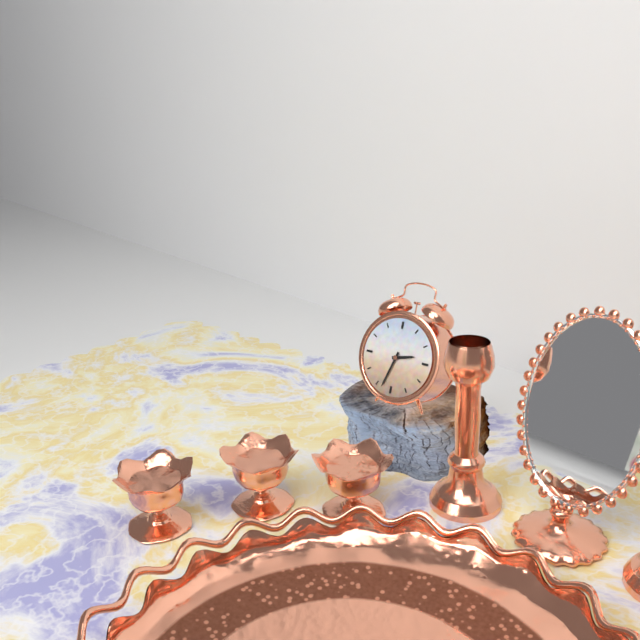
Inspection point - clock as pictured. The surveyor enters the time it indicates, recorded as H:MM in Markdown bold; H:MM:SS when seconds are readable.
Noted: **2:33**
